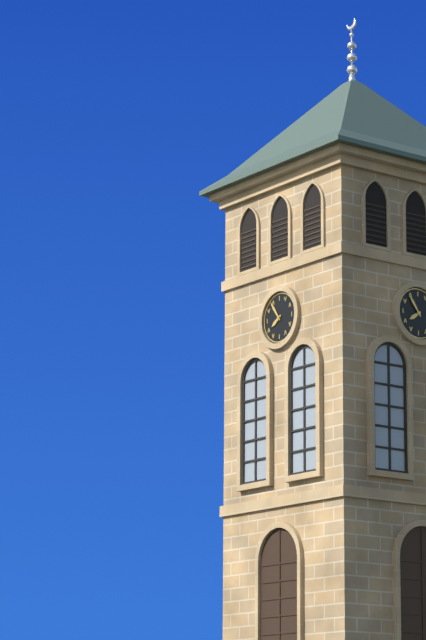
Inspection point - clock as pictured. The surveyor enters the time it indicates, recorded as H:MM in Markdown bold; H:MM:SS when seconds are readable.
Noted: **7:54**
